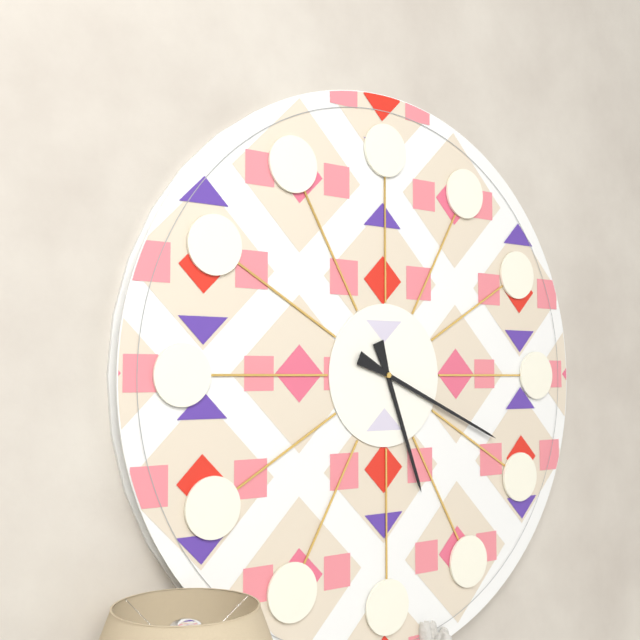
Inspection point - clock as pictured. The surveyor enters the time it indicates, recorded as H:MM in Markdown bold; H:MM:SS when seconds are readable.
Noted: **5:19**
